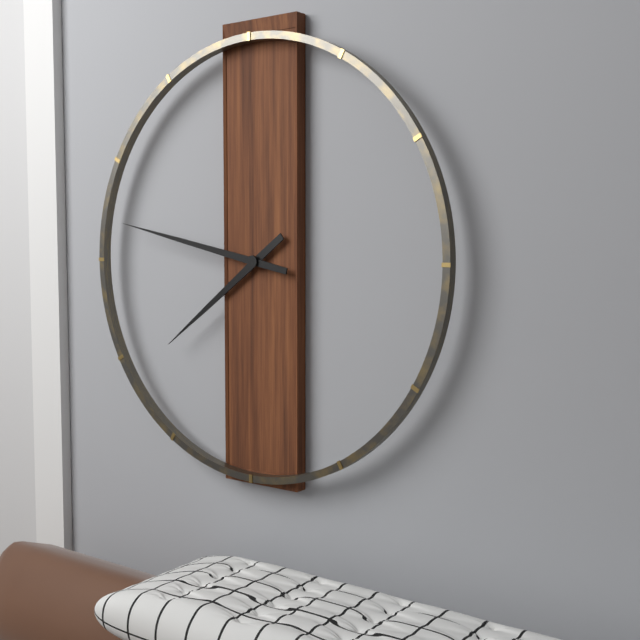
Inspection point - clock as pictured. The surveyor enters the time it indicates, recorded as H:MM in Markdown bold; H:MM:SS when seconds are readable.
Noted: **7:47**
